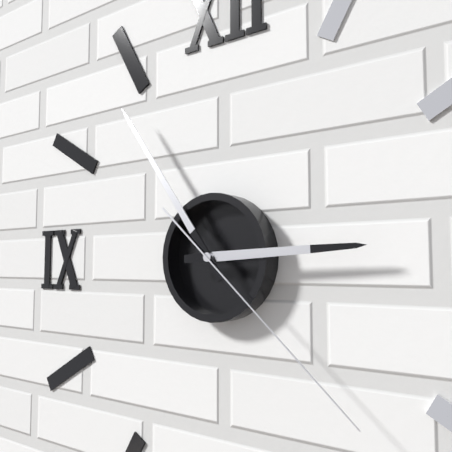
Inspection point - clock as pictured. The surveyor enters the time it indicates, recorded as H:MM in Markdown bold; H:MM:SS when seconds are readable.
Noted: **2:54:22**
